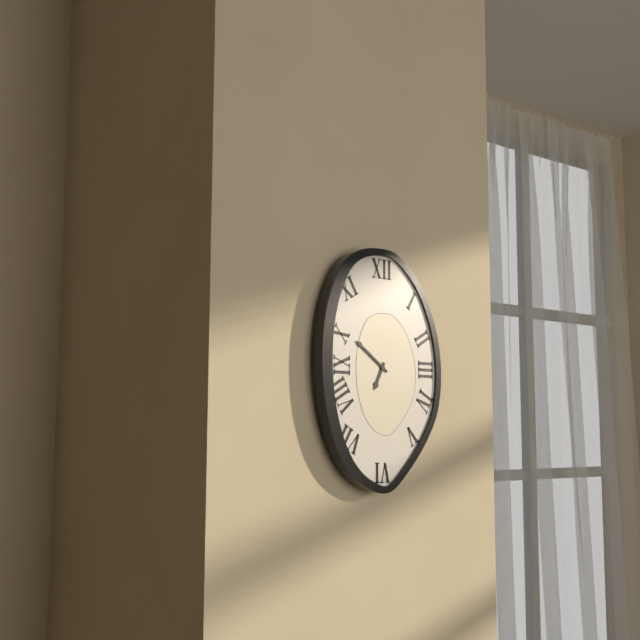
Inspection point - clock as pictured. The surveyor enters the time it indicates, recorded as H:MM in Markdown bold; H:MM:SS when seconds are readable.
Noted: **6:51**
